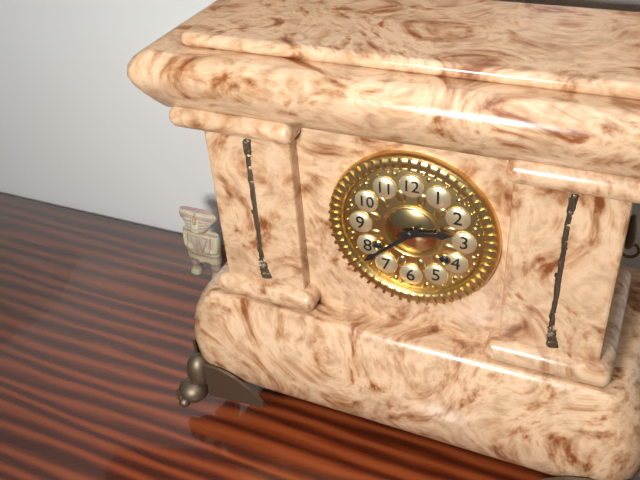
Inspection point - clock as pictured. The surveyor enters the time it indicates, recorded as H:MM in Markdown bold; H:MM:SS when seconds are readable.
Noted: **2:38**
